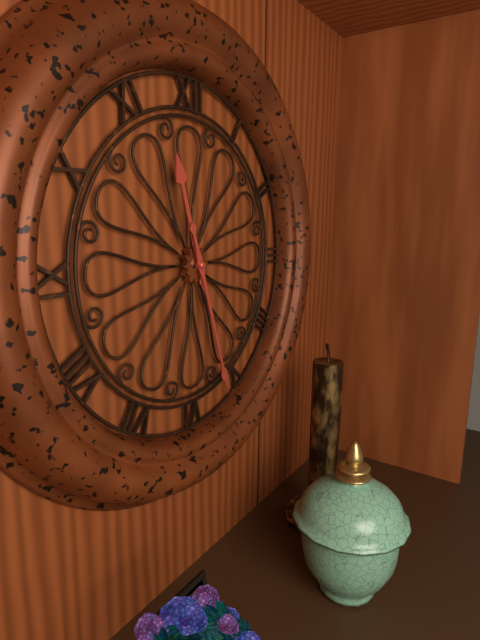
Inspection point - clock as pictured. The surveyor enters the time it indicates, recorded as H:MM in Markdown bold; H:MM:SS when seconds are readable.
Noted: **11:27**
